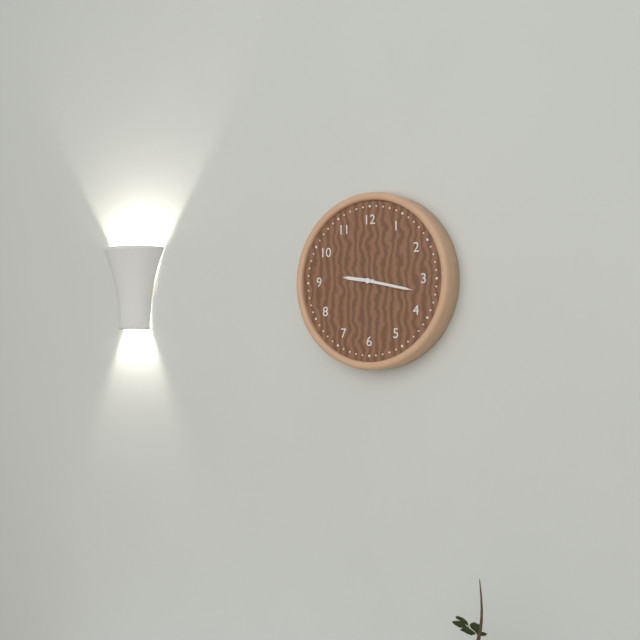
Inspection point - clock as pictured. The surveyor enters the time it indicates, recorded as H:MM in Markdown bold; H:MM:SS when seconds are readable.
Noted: **9:17**
